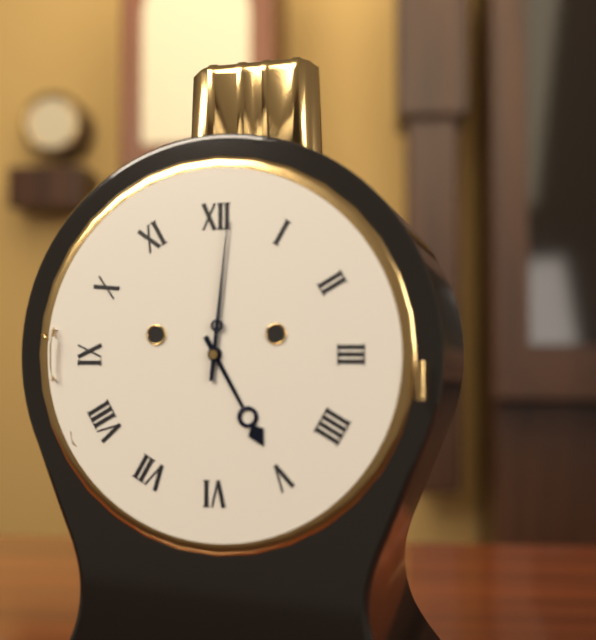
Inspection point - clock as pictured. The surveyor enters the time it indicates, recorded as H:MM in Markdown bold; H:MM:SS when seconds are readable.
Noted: **5:01**
